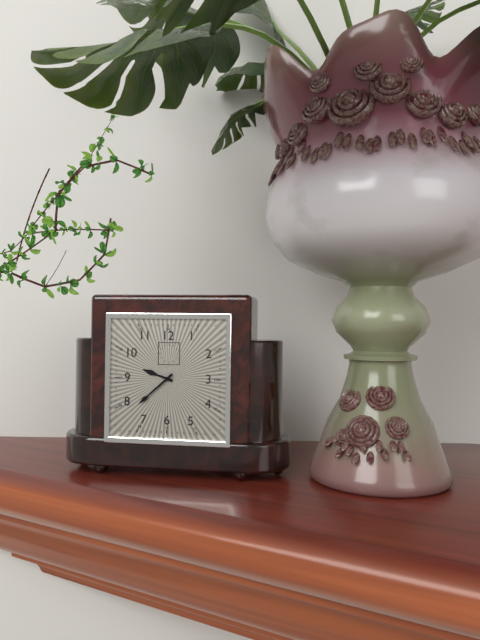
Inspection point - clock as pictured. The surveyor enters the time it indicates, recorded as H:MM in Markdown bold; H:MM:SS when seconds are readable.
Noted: **9:38**
